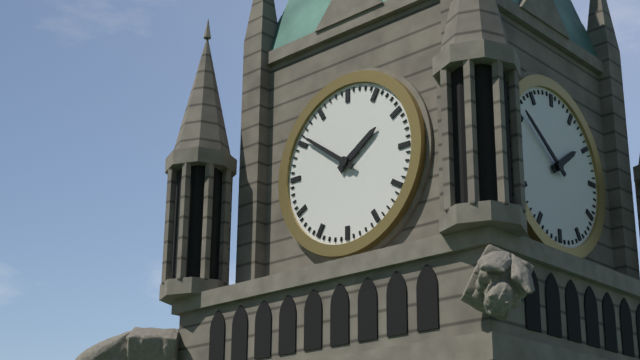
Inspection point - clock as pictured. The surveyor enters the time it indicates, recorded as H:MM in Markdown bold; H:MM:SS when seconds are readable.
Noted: **1:51**
